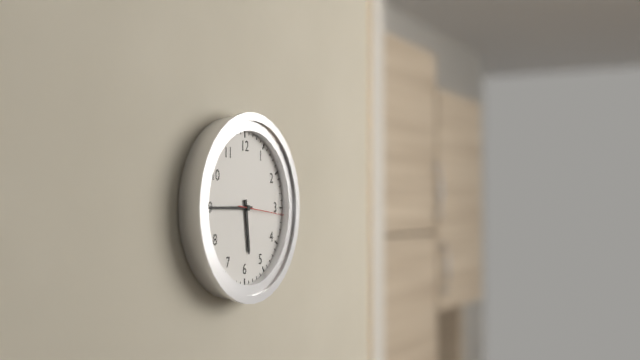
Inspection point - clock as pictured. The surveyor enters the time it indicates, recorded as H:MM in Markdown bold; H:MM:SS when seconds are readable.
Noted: **5:45:16**
